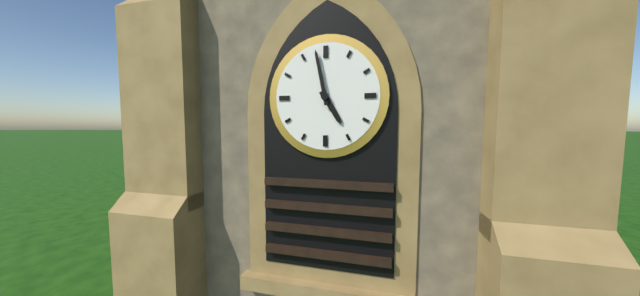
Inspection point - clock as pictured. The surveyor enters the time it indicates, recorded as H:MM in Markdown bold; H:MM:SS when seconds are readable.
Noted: **4:58**
